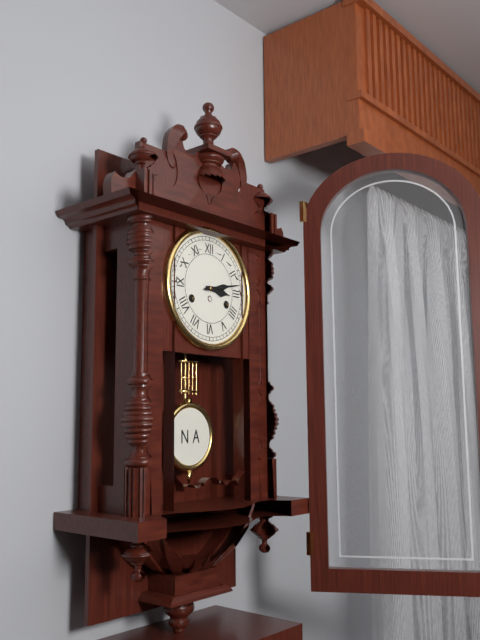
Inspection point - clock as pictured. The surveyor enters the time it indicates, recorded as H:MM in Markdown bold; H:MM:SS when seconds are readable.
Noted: **3:13**
